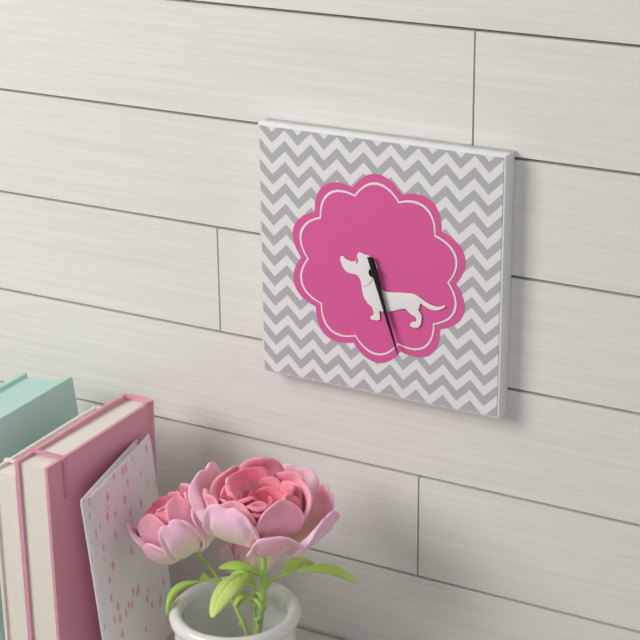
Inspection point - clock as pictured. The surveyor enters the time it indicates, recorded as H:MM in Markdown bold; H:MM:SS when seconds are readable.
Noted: **5:27**
